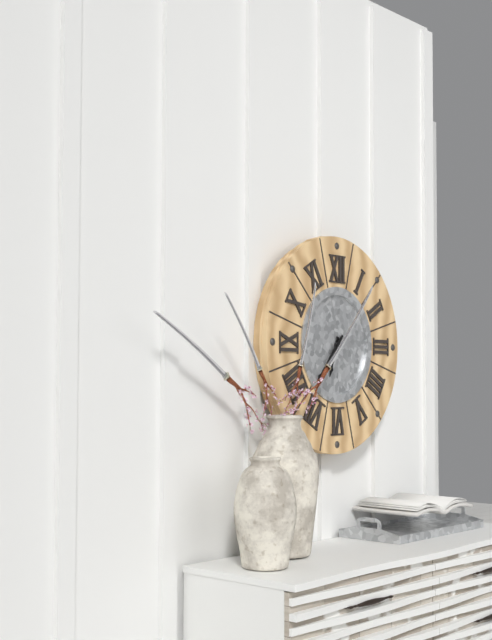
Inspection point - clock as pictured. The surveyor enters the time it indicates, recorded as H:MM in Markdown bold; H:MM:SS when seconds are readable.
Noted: **6:37**
